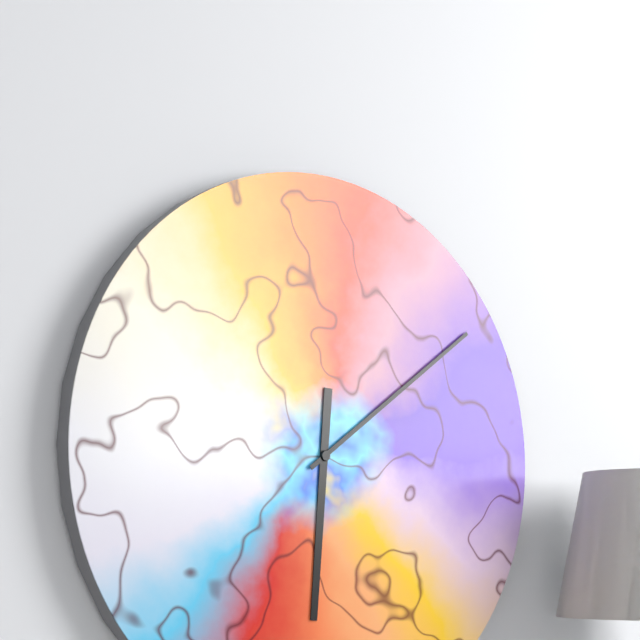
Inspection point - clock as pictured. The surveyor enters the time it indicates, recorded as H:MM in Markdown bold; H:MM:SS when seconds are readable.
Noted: **6:09**
